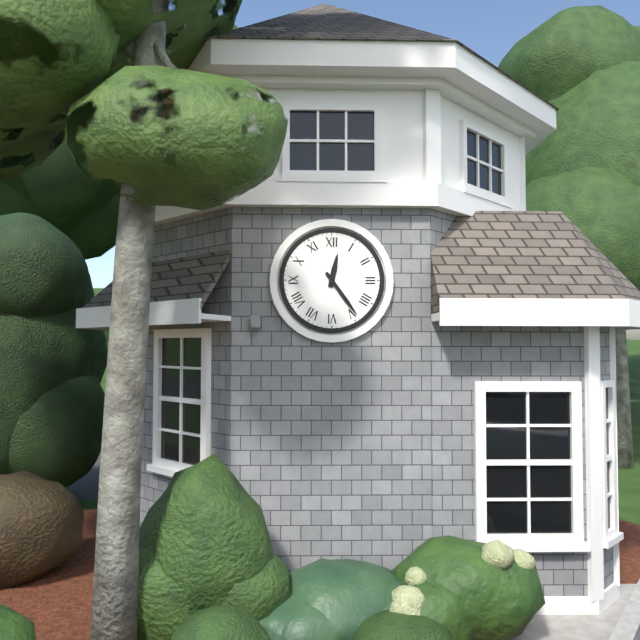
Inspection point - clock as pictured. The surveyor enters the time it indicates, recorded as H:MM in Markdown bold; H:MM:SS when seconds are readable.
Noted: **12:24**
